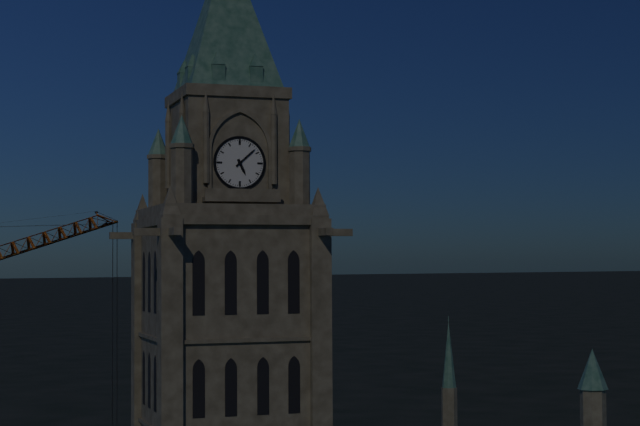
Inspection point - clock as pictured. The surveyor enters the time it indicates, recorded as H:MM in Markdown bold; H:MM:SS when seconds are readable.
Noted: **5:08**
